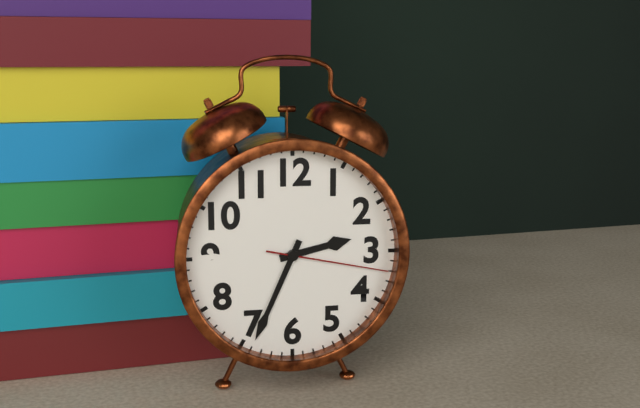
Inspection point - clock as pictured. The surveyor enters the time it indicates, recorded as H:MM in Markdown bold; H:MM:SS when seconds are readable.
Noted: **2:34:17**
